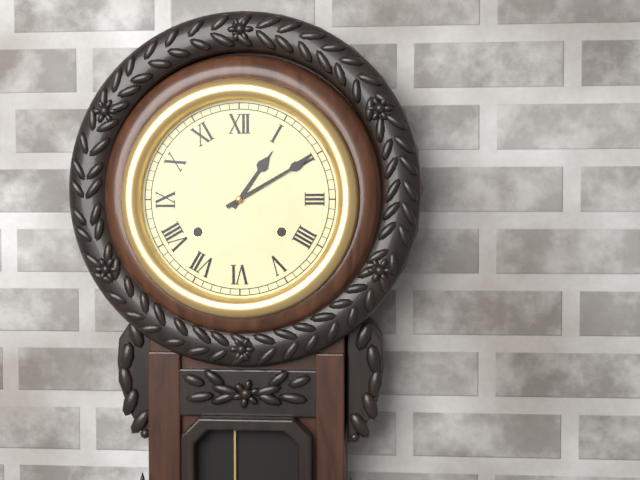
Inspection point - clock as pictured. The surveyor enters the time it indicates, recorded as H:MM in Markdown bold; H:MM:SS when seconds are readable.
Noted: **1:10**
